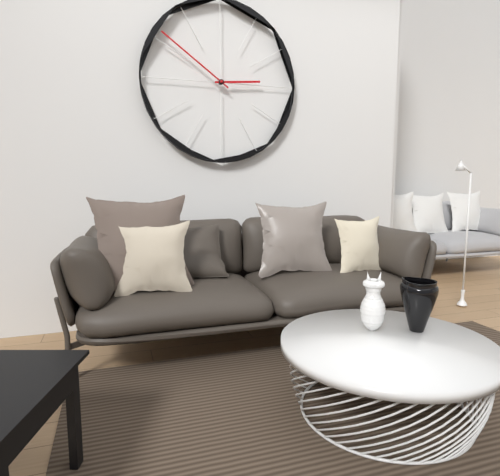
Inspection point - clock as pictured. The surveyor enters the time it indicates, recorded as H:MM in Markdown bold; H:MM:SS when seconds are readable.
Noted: **2:51**
